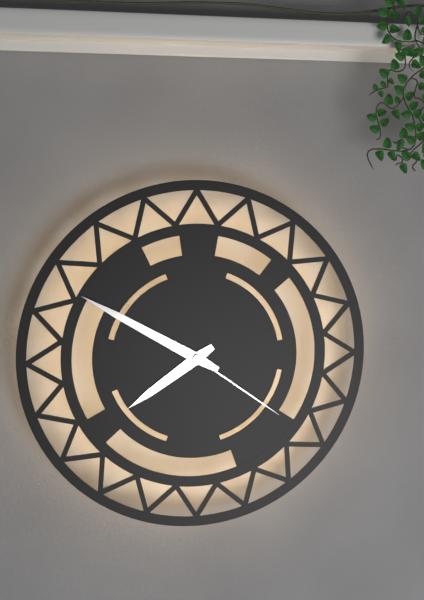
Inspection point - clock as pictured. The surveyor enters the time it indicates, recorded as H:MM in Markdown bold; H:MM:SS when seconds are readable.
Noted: **7:50:21**
